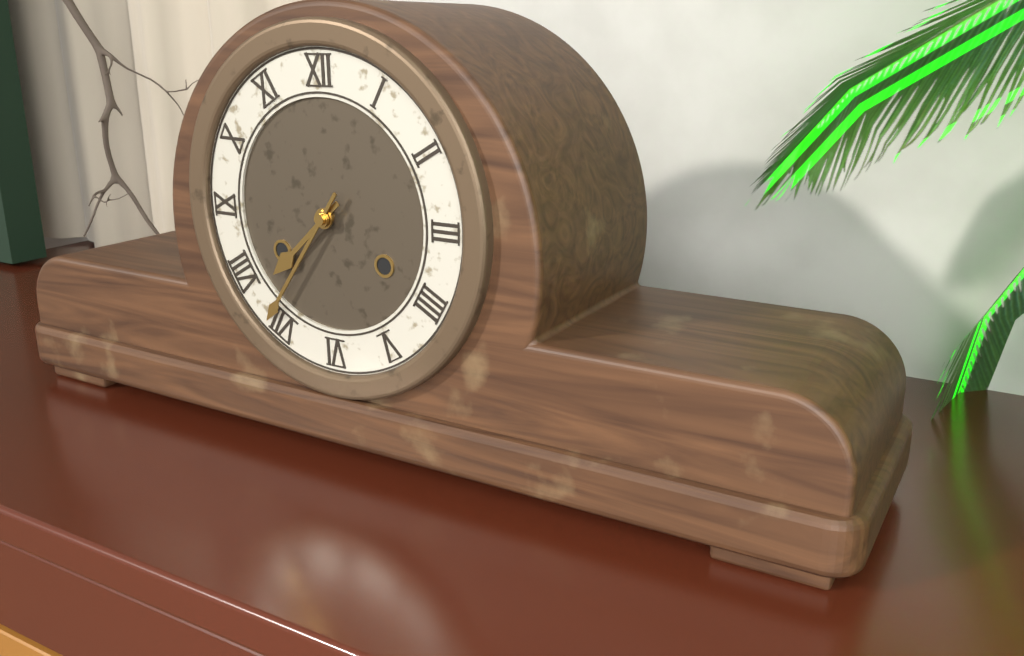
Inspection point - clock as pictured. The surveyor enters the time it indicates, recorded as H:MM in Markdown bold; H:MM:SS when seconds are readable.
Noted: **7:36**
